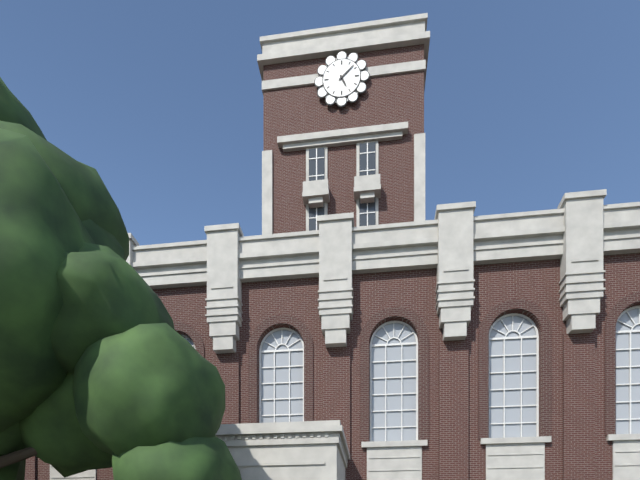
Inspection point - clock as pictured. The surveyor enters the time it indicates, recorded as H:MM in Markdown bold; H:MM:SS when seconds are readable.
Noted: **5:08**
